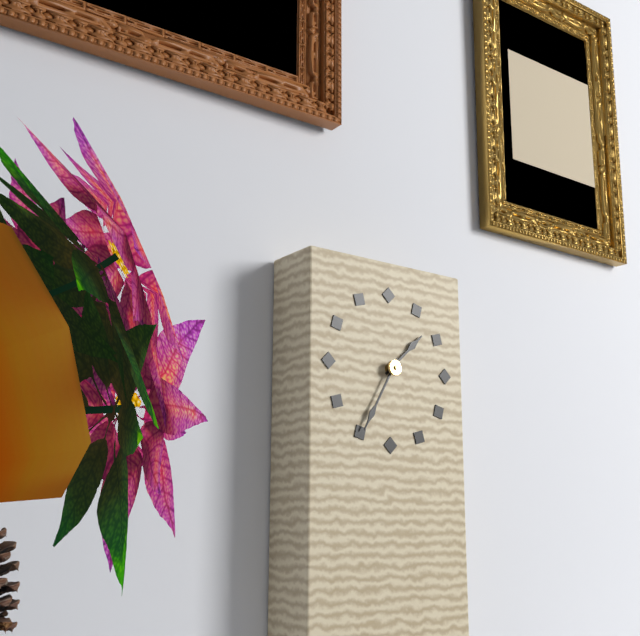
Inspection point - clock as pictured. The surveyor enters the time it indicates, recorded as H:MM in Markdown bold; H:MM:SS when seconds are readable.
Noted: **1:35**
